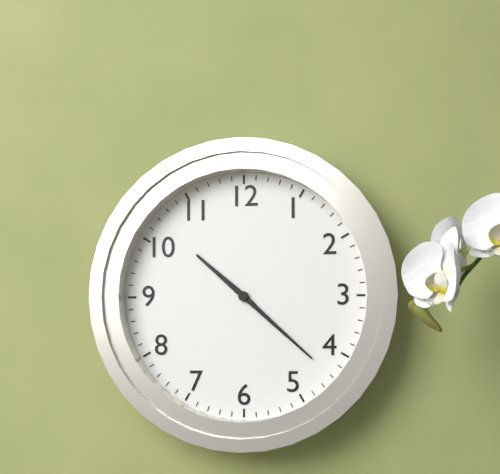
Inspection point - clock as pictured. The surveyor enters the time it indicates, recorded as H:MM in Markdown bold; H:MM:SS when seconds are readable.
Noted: **10:22**
